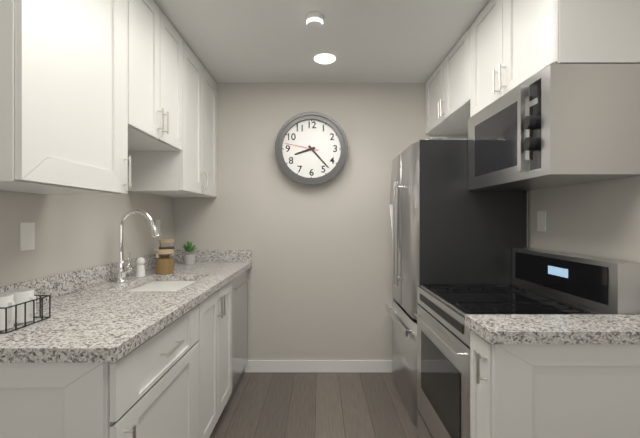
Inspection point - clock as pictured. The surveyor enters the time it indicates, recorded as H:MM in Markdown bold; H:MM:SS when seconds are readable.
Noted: **8:23**
